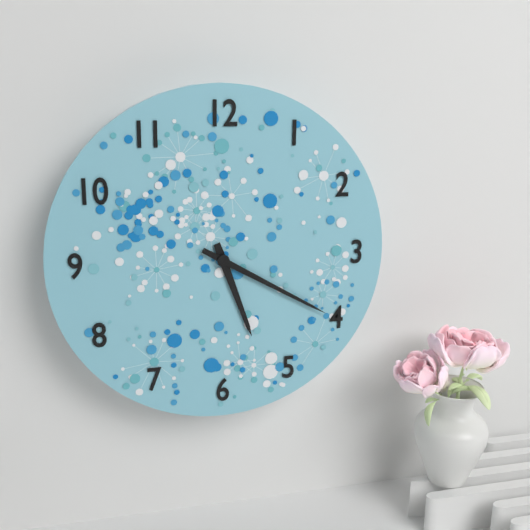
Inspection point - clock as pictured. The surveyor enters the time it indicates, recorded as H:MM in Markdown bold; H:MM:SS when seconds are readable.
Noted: **5:20**
